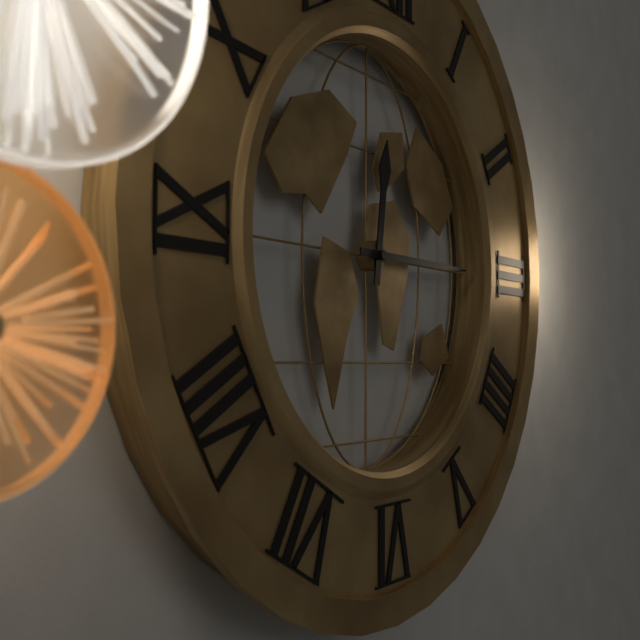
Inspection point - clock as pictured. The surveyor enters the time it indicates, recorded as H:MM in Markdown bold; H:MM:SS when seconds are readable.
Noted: **12:15**
